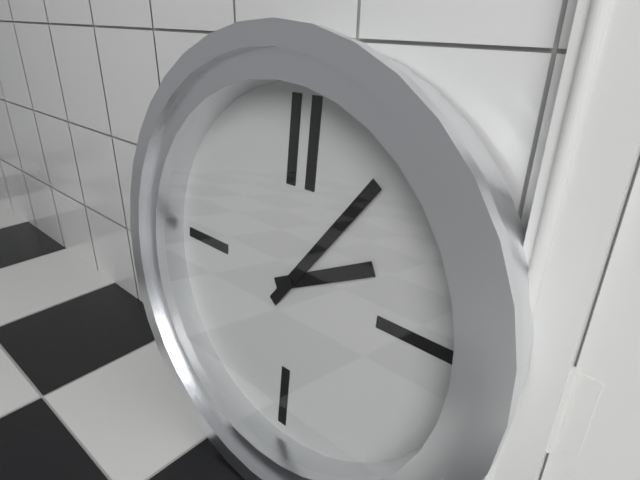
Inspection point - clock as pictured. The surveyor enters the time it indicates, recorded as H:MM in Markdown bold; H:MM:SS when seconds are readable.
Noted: **2:06**
